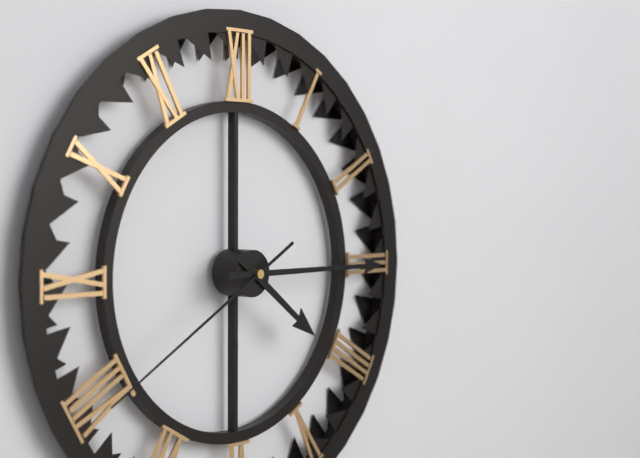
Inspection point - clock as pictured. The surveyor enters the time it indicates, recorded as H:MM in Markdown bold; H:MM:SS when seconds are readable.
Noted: **4:15:40**
